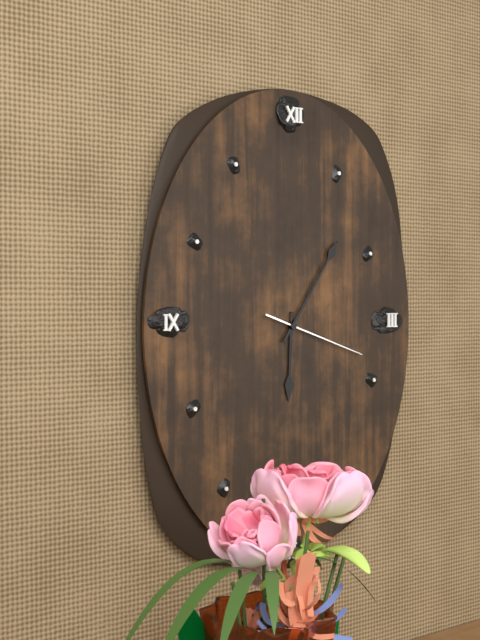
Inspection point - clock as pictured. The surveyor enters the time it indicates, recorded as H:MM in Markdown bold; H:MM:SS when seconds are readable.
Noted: **6:06:18**
